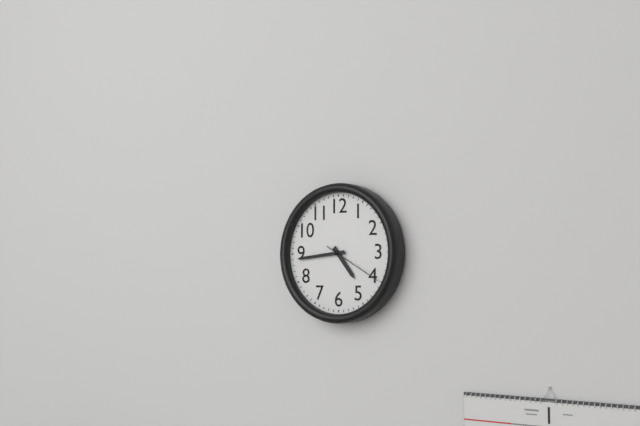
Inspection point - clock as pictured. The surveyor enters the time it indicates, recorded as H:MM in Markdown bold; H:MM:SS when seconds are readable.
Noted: **4:44:20**
